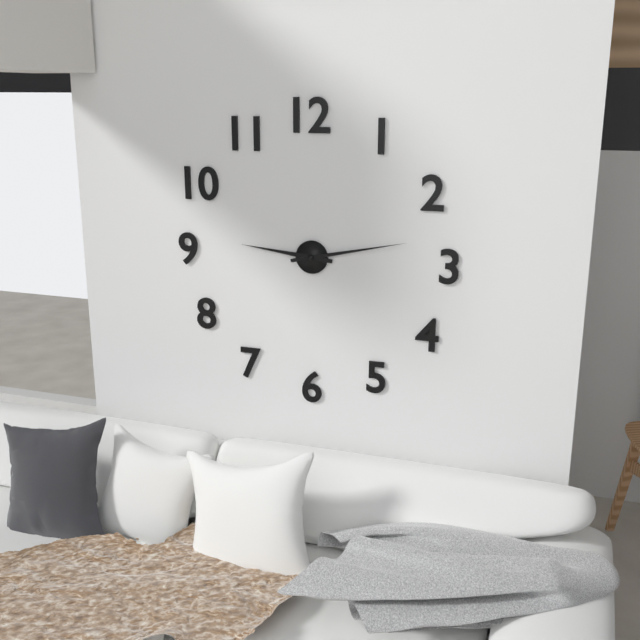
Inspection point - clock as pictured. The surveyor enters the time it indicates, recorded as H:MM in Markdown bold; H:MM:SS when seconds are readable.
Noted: **9:13**
